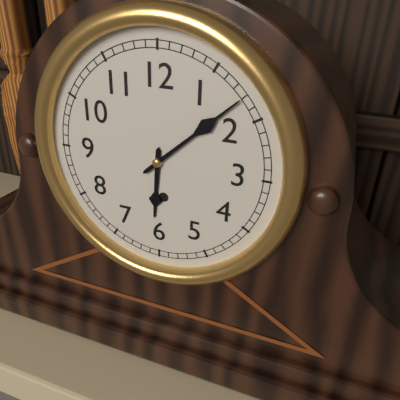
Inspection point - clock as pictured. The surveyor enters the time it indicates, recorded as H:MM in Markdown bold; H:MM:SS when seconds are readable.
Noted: **6:08**
